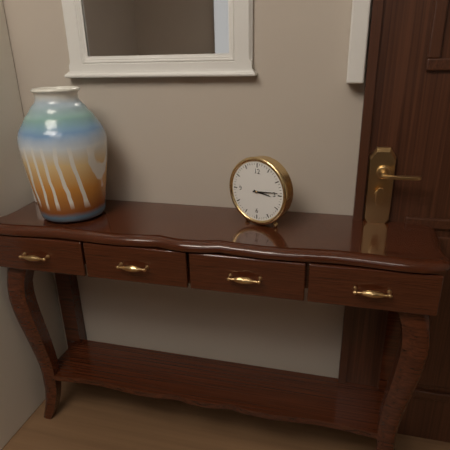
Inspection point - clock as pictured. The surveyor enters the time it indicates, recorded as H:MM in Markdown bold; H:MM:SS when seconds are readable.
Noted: **3:14**
